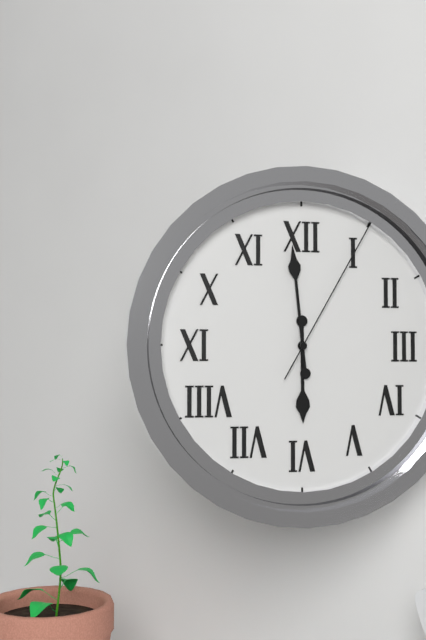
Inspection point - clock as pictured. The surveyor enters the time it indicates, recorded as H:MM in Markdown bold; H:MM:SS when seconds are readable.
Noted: **5:59:05**
